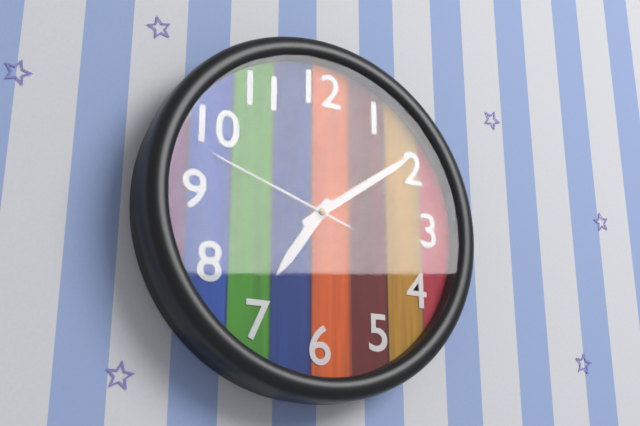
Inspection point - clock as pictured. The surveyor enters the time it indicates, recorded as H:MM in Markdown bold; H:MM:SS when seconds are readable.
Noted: **7:09:48**
